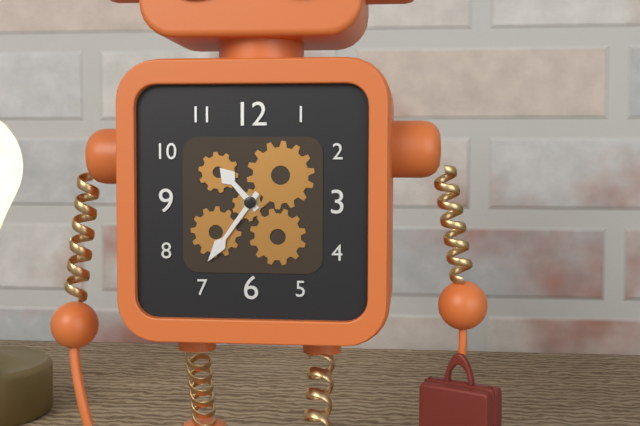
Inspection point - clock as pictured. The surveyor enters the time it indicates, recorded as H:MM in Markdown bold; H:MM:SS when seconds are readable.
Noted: **10:36**
